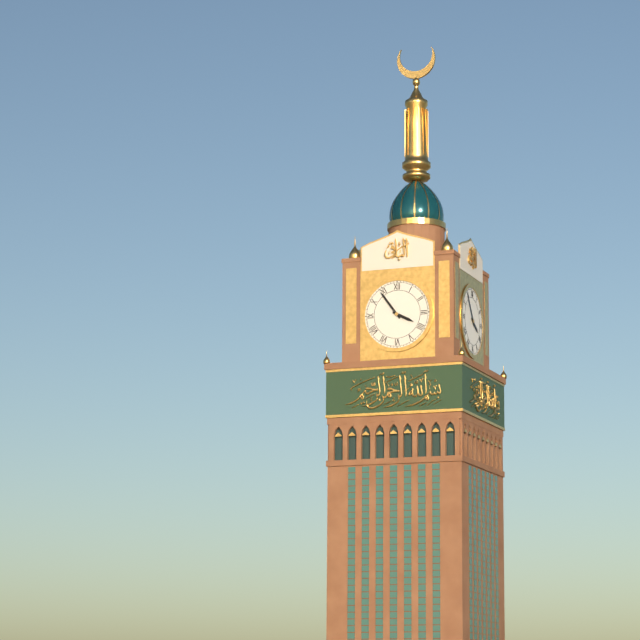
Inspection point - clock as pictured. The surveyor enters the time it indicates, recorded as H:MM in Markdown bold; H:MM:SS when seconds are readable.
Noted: **3:54**
